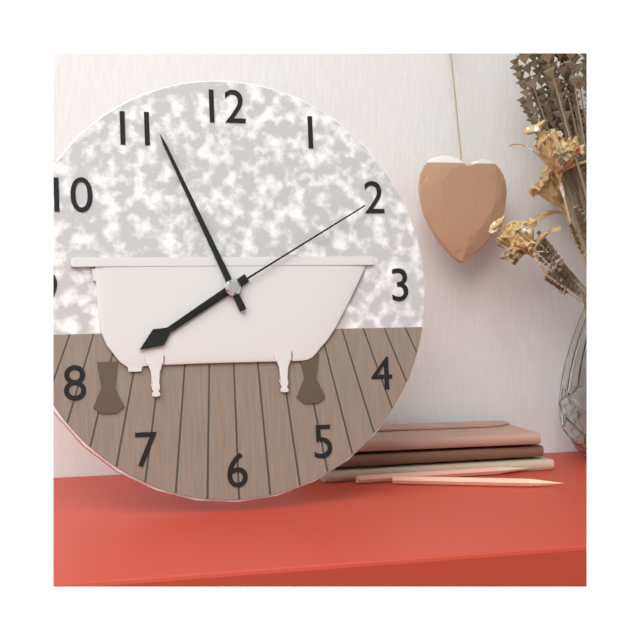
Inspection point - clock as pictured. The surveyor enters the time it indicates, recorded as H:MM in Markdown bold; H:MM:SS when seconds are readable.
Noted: **7:56:10**
